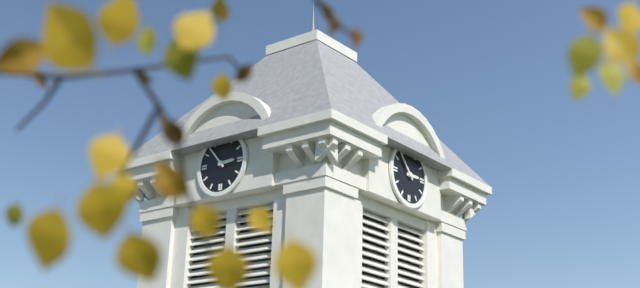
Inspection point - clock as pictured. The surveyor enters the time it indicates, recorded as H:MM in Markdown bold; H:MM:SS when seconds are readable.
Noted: **2:53**
